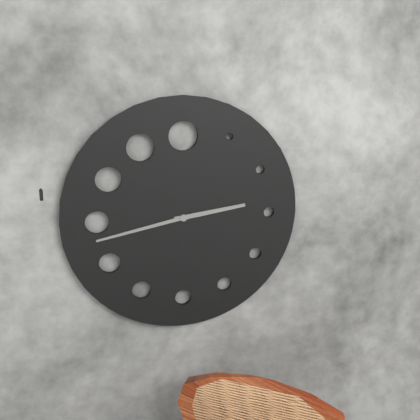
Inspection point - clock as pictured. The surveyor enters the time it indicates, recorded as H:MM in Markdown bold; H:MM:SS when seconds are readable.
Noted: **2:43**
